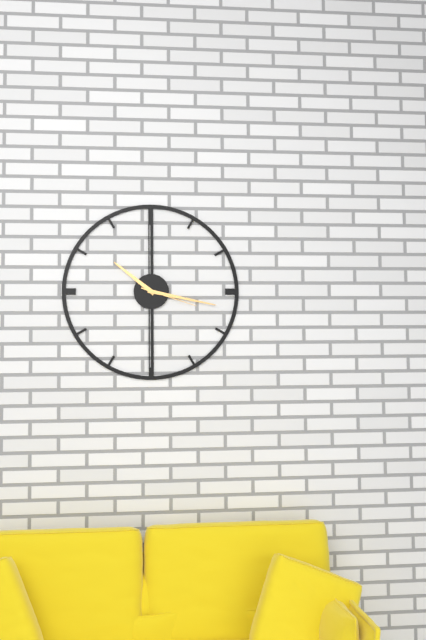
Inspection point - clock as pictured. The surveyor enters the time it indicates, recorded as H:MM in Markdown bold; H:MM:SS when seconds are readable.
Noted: **10:17:18**
